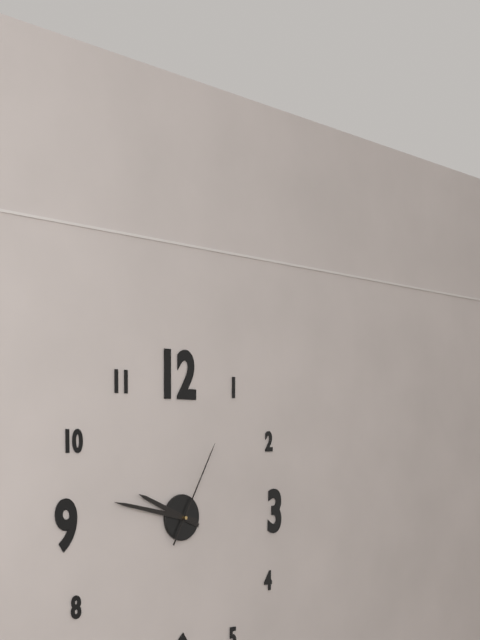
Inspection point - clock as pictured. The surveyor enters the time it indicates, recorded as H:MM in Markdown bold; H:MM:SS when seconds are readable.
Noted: **9:47:05**
